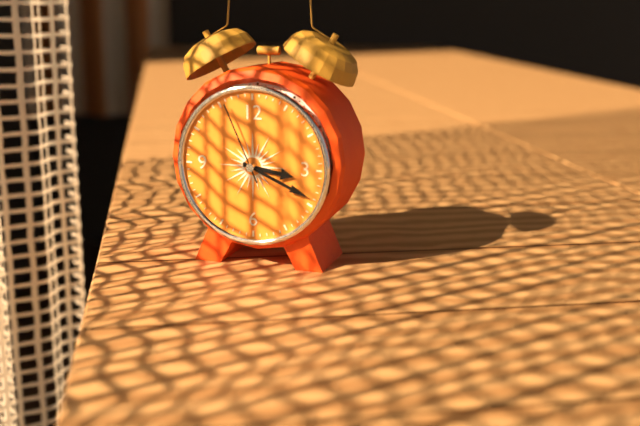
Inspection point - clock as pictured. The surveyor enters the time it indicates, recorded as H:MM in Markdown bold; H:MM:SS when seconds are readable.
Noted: **3:19:56**
